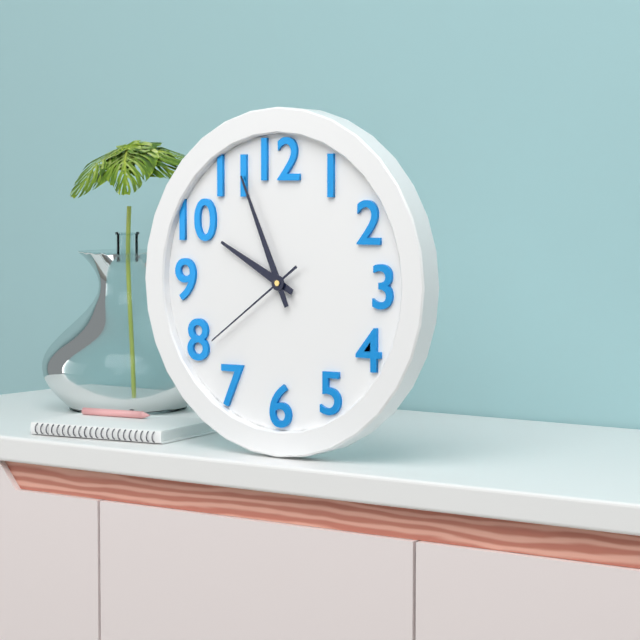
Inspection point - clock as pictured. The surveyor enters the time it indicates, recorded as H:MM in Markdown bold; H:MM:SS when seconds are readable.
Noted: **9:56:39**
